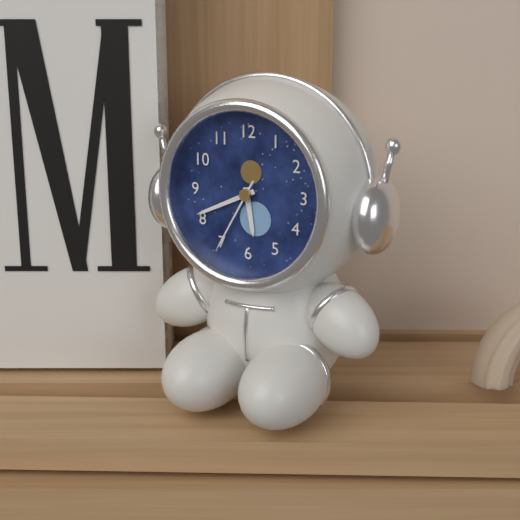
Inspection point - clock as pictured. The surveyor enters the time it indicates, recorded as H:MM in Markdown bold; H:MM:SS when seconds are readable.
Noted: **5:41:35**
